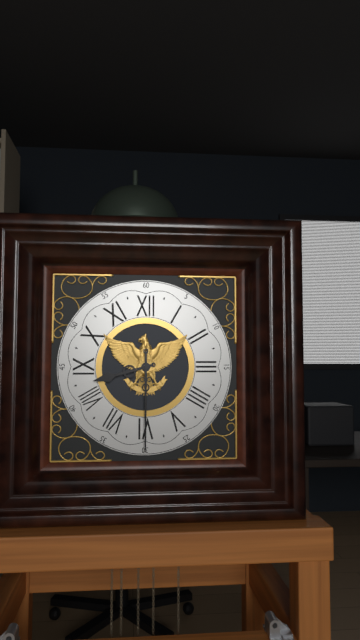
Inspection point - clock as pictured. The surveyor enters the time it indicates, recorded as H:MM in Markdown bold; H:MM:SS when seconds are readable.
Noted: **8:30**
